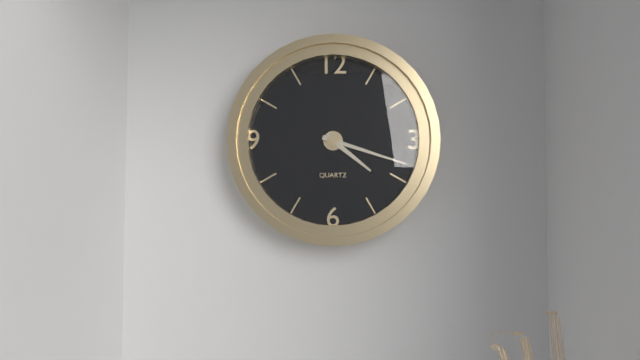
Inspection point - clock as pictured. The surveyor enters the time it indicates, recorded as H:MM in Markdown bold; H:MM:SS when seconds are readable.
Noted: **4:18**
